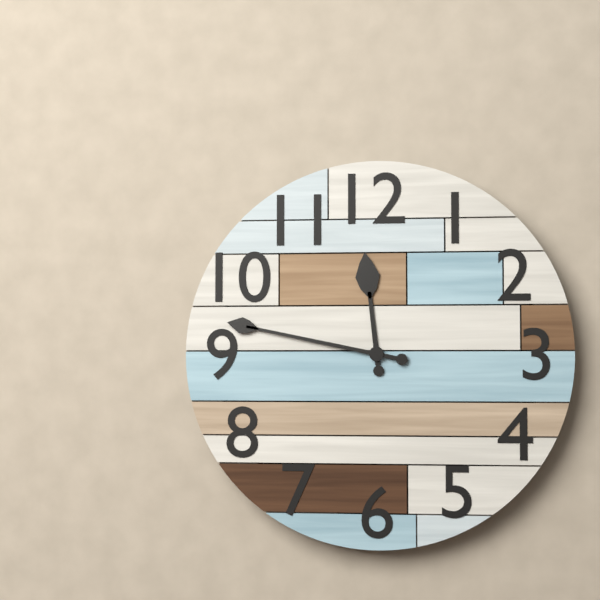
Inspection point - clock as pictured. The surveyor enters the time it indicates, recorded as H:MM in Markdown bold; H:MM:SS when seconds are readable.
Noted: **11:47**
